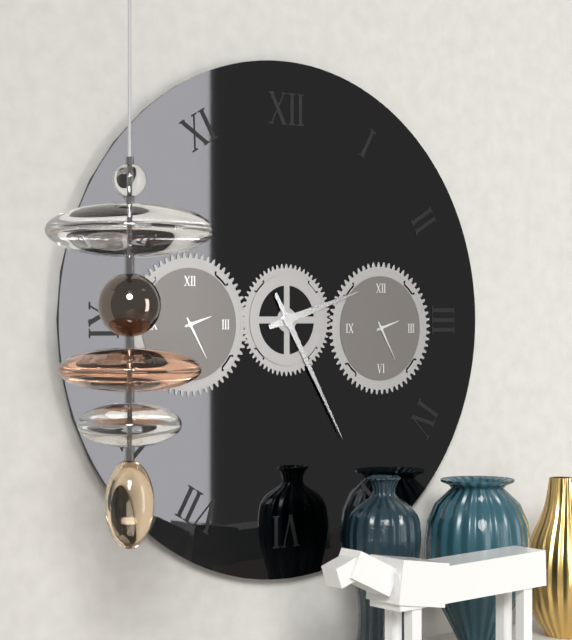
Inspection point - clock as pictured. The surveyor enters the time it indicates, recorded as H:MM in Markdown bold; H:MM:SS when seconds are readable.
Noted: **2:25**
